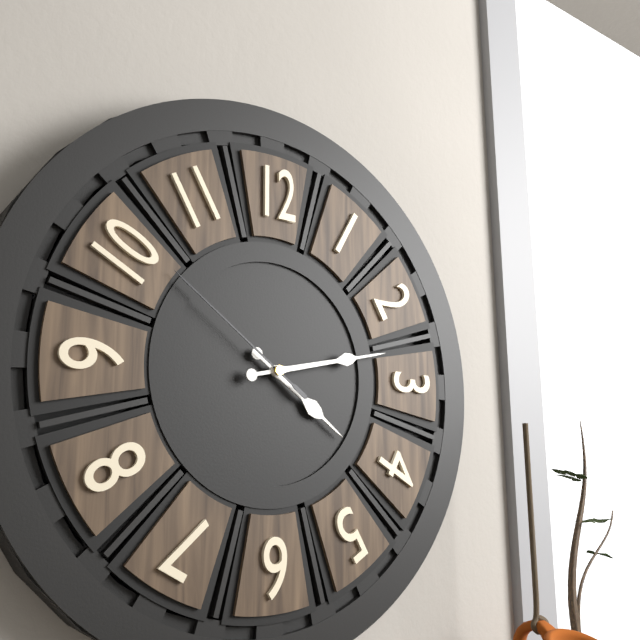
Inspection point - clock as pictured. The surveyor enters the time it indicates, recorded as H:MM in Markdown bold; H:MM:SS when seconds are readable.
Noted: **4:13:51**
